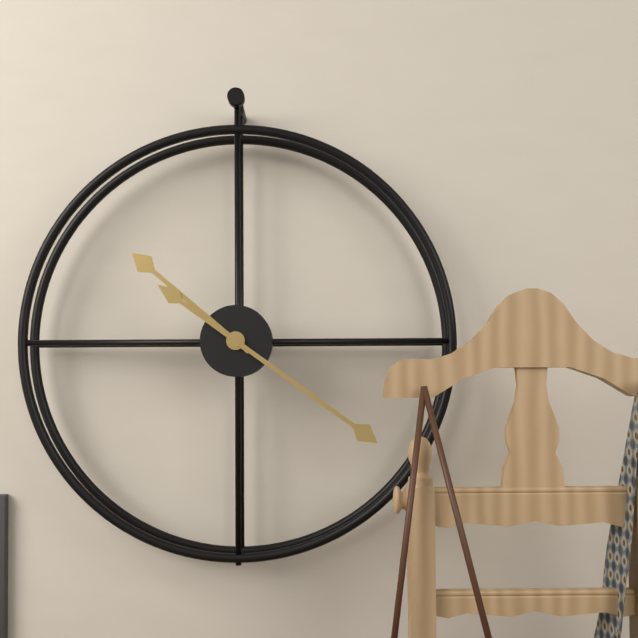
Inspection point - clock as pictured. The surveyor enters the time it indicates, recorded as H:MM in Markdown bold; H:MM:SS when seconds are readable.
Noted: **10:21**
